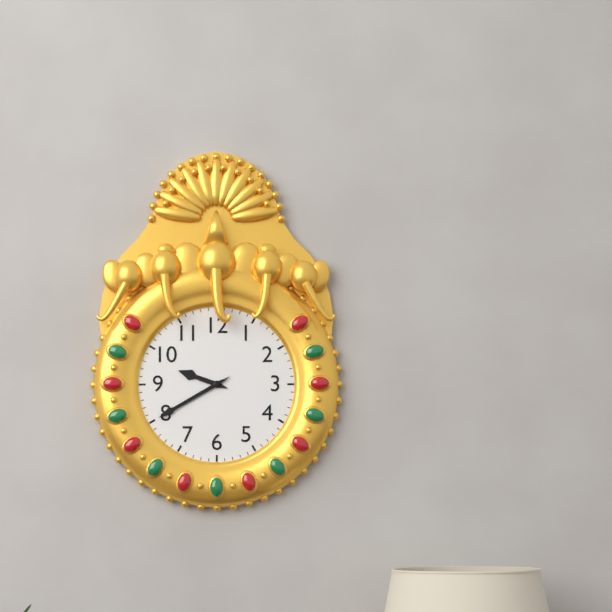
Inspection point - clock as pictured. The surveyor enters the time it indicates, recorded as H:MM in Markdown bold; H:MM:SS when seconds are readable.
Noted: **9:40**
